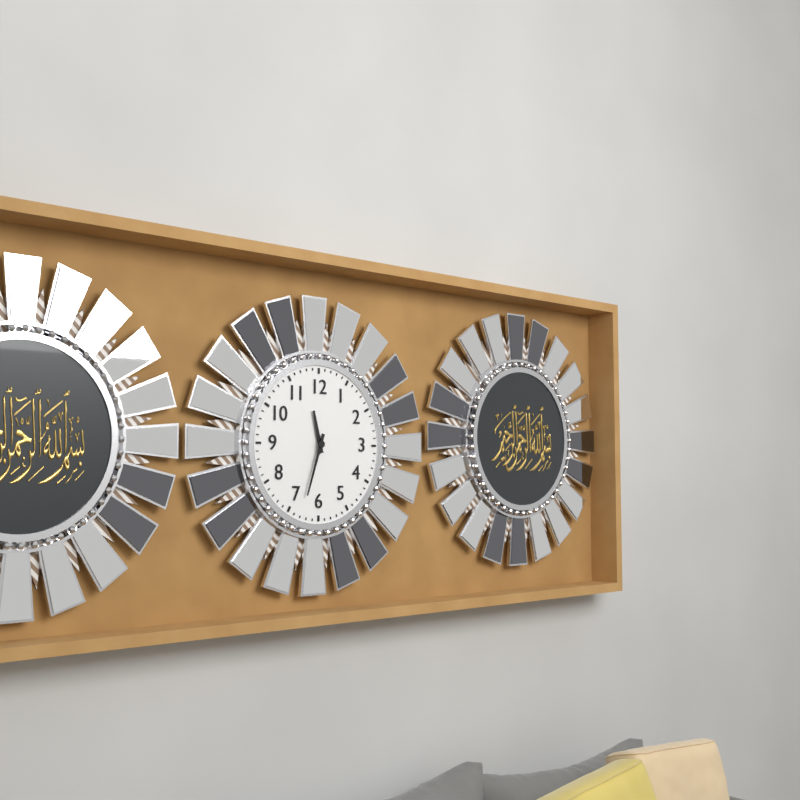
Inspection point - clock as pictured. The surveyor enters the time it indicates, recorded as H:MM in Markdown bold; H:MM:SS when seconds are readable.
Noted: **11:33**
